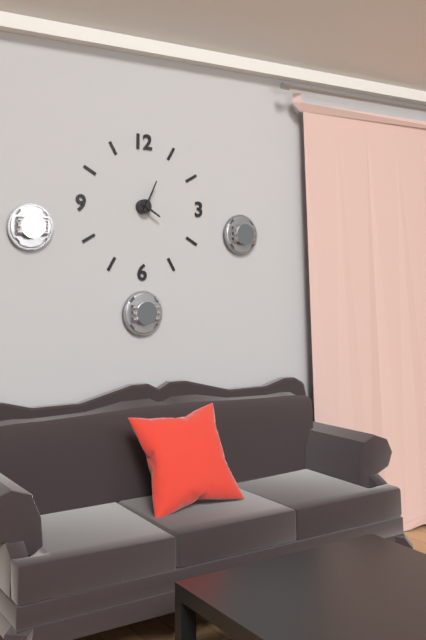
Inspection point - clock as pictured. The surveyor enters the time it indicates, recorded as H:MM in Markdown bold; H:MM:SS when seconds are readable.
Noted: **4:04**
